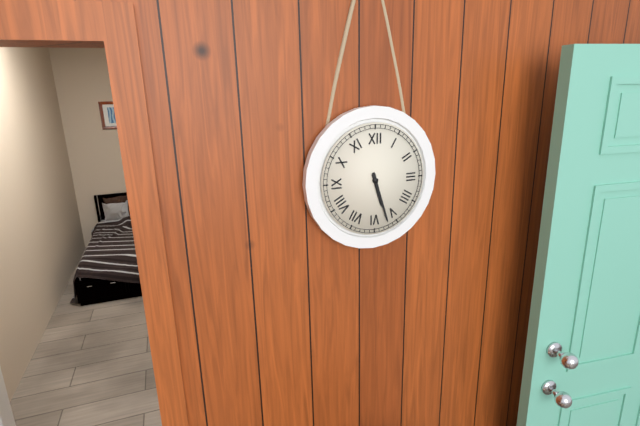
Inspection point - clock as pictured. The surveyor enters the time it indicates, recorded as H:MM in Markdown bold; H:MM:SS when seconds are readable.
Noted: **5:27**
